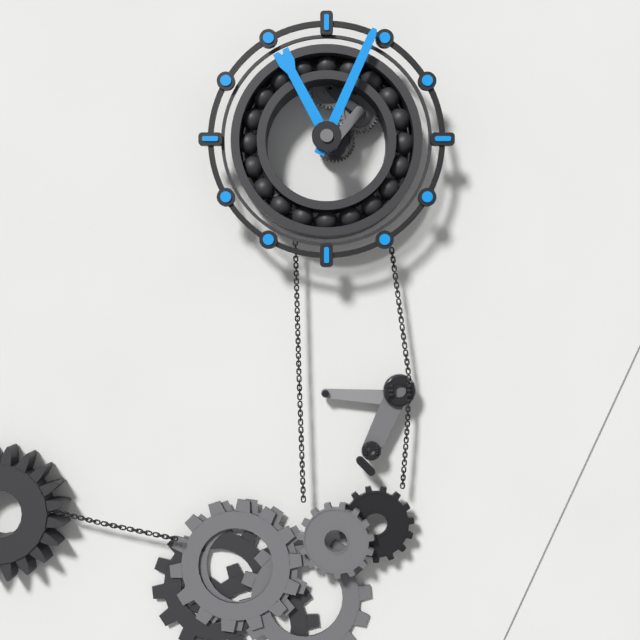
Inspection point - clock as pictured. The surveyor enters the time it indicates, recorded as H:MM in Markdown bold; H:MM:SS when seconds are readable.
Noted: **11:04**
